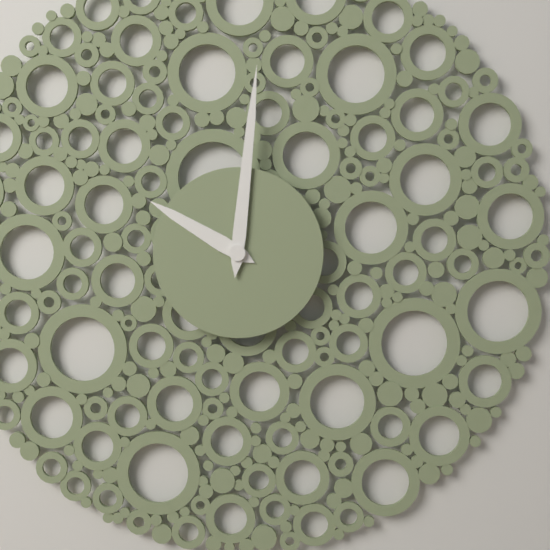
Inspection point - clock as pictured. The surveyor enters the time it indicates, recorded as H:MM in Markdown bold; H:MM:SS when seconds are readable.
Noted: **10:01**
